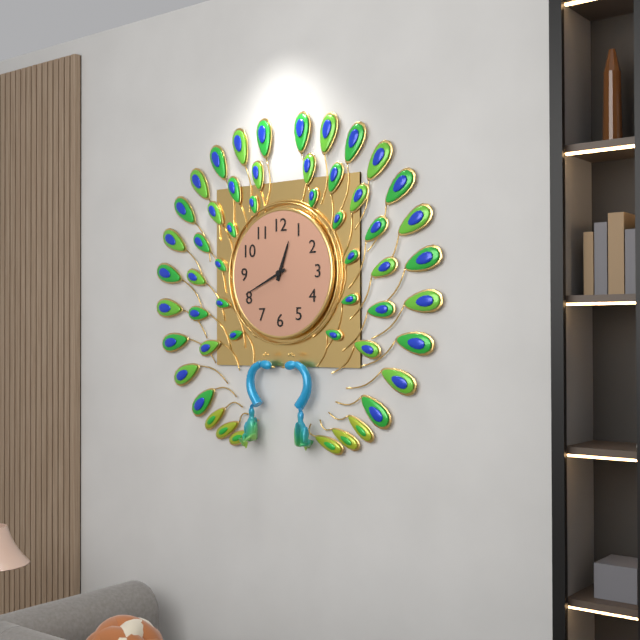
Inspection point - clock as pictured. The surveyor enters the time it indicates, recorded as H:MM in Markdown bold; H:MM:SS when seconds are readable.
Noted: **12:41**
